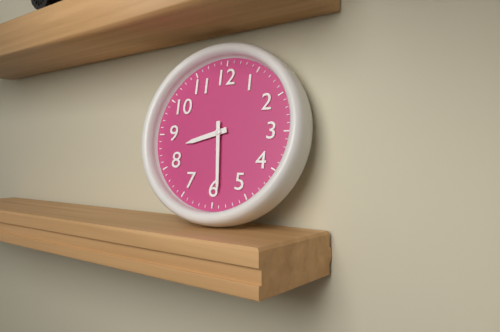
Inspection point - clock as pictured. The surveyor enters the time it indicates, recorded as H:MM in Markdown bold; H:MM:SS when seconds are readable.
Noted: **8:29**
